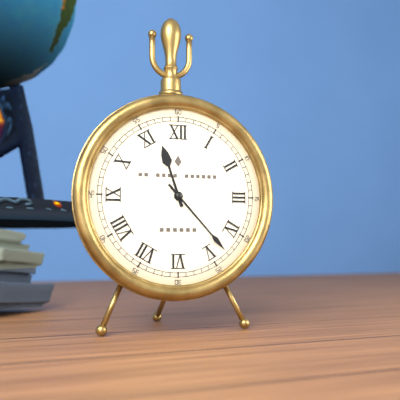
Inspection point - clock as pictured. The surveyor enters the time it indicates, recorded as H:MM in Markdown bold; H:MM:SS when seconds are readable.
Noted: **11:23**
